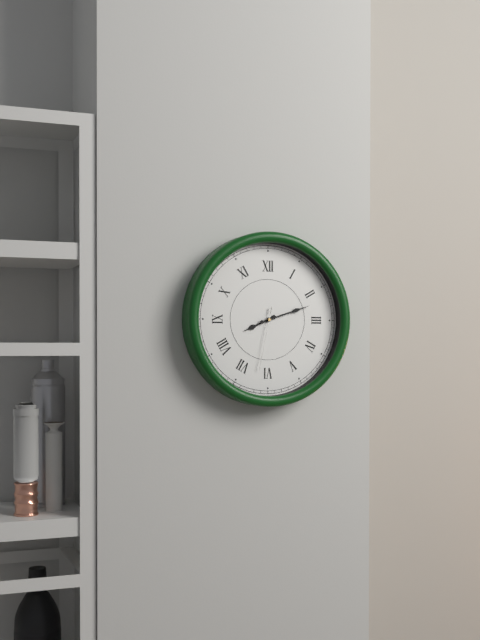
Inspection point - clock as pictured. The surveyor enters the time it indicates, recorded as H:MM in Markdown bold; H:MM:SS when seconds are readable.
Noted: **8:12:32**
